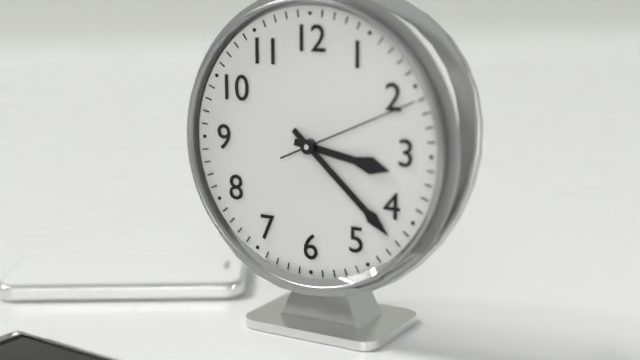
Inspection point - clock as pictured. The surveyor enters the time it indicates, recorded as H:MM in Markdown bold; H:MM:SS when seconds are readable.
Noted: **3:22:11**
